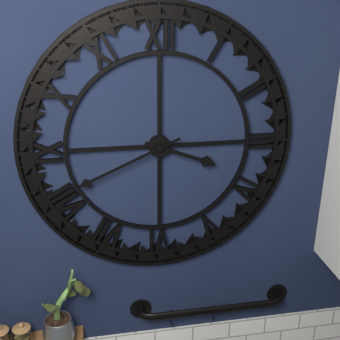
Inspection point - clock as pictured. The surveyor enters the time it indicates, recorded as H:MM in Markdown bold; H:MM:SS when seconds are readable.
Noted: **3:41**
